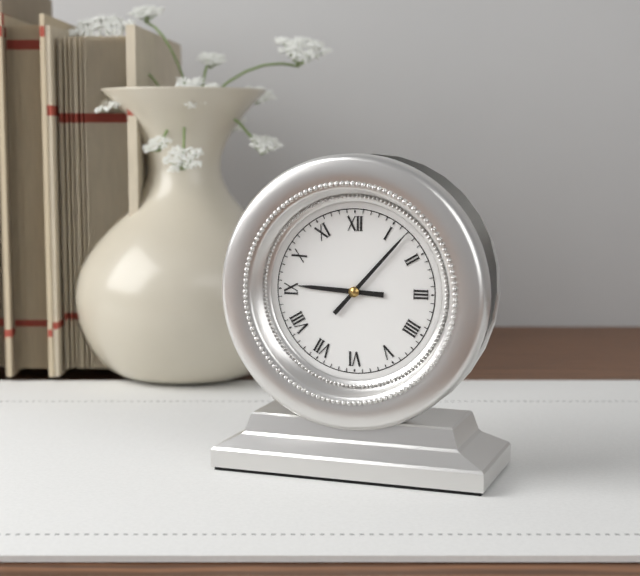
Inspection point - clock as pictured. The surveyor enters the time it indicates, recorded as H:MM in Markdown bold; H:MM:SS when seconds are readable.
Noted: **9:07**
